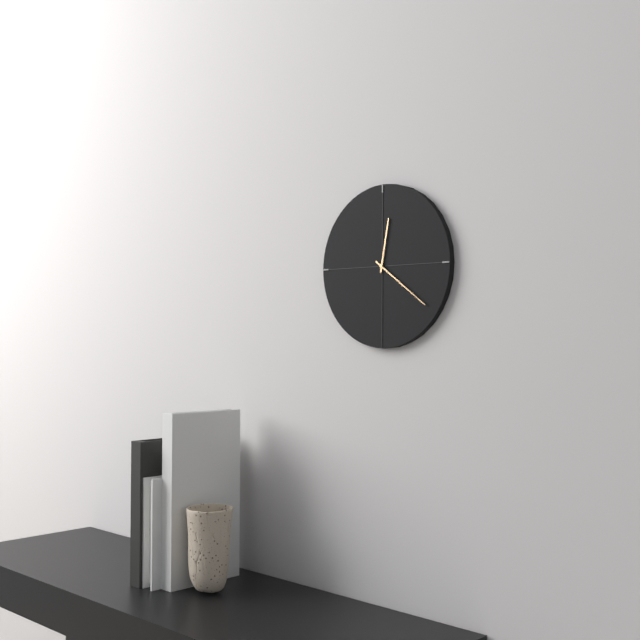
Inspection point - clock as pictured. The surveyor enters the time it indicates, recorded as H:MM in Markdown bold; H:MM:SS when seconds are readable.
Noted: **12:21**
